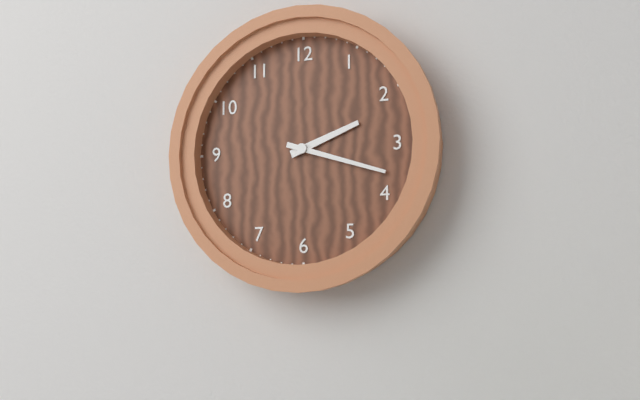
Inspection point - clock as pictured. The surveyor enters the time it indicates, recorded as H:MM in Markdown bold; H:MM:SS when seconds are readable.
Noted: **2:18**
